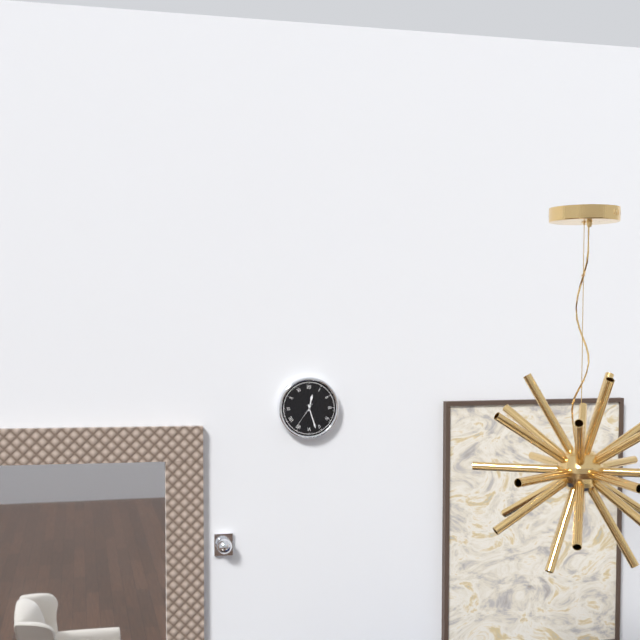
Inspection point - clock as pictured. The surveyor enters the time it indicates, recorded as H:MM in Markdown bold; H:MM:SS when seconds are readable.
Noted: **12:27**
